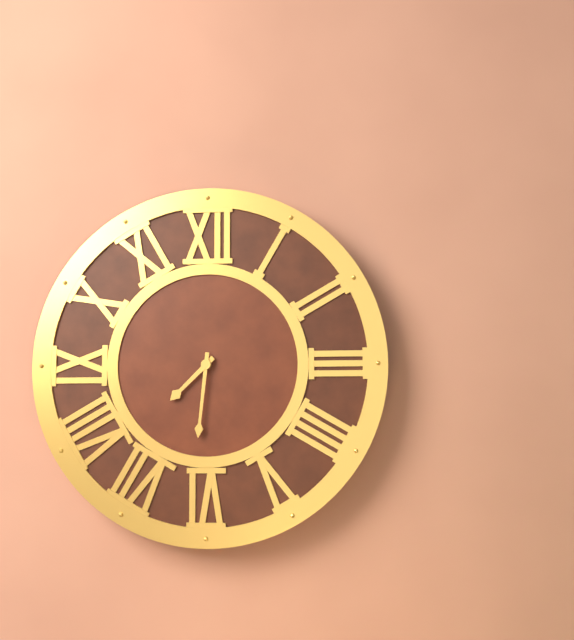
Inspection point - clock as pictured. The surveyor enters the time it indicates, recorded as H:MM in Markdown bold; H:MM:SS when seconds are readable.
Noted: **7:31**
